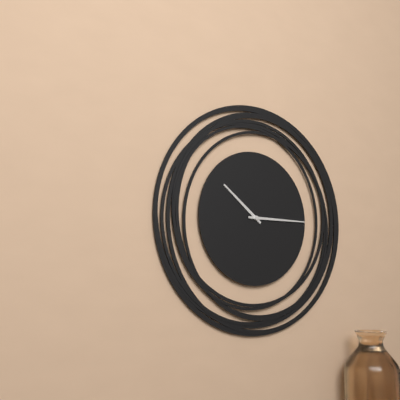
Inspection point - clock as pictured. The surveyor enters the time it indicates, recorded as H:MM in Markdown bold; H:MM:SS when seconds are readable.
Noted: **10:15**
